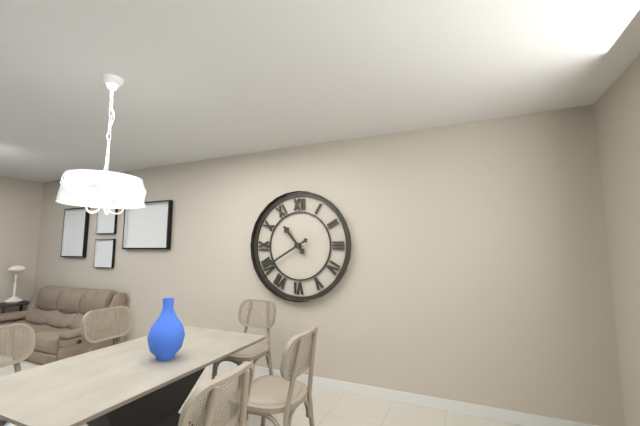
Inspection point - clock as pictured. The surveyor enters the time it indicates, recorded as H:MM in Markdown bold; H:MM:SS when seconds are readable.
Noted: **10:40**
